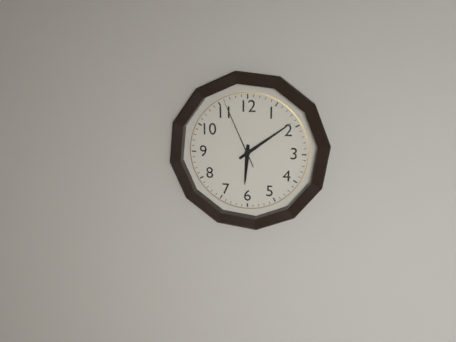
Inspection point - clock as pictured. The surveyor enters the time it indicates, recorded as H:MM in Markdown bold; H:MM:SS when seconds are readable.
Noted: **6:09:56**
